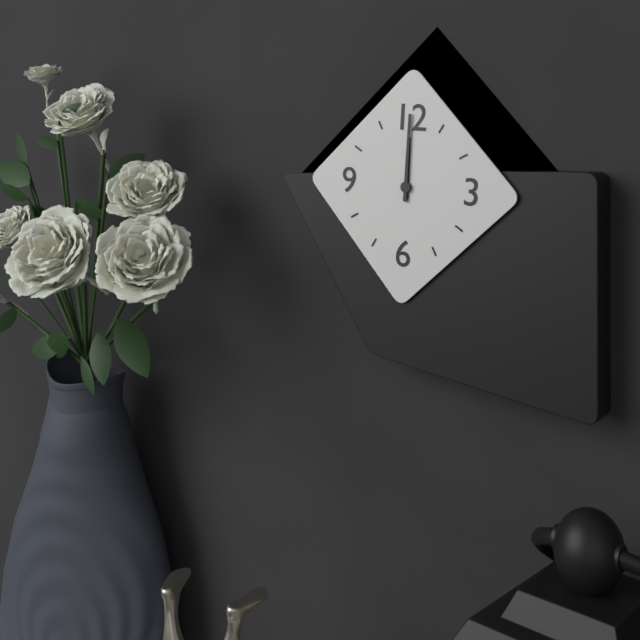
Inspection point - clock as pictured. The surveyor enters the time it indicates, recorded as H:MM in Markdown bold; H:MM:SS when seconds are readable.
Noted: **12:00**
